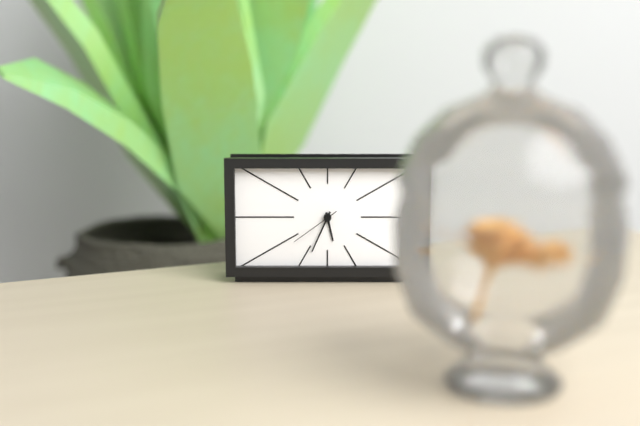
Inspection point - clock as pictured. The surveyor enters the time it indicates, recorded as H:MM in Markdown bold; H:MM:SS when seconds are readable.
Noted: **5:34:39**
